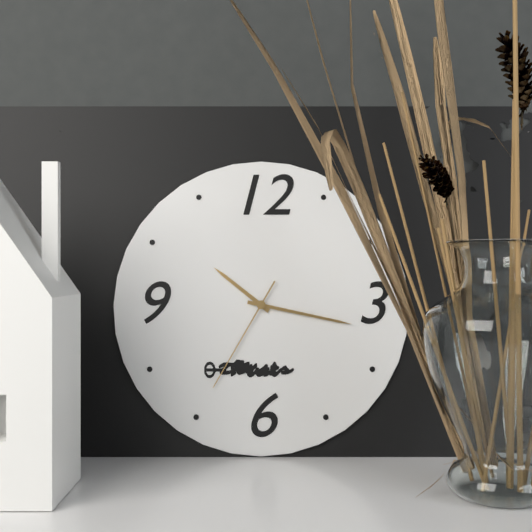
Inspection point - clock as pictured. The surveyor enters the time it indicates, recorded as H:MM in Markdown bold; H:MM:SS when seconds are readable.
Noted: **10:17:35**
